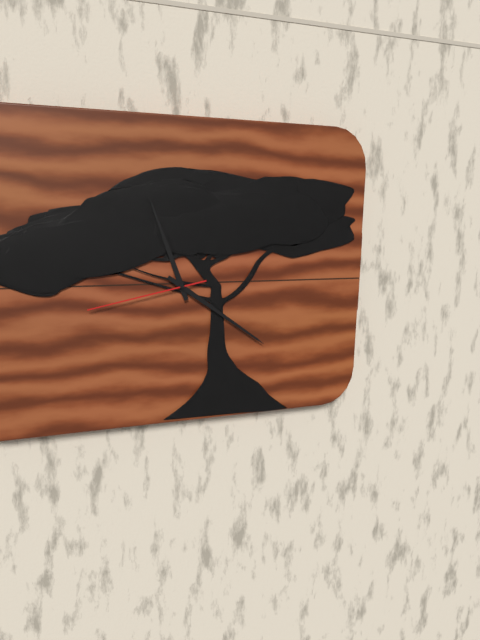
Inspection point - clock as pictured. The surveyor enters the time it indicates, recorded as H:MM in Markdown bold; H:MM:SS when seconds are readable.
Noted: **11:21:43**
